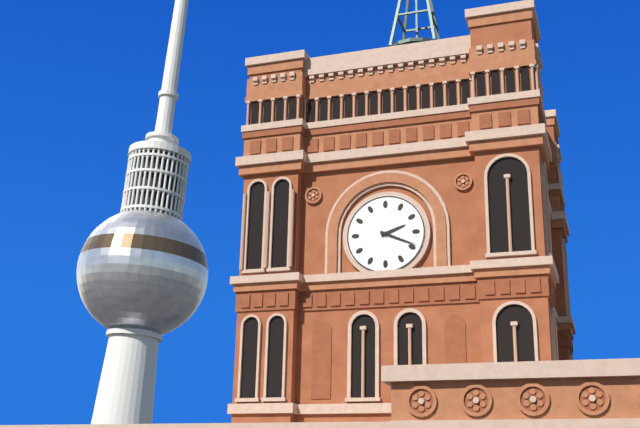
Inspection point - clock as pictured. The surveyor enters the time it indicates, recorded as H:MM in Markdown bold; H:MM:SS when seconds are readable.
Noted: **2:19**
